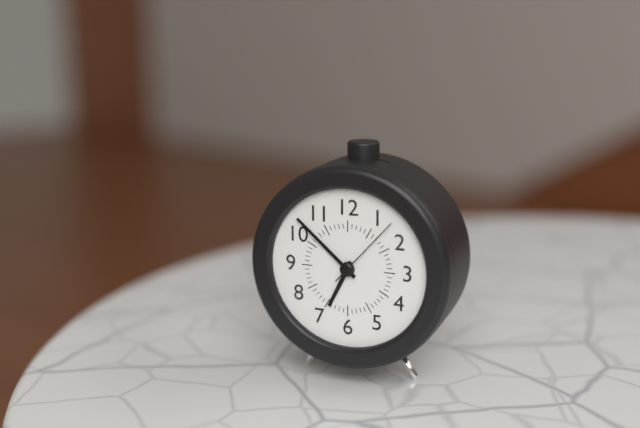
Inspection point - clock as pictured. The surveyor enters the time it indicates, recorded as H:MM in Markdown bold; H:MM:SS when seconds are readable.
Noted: **6:52:07**
